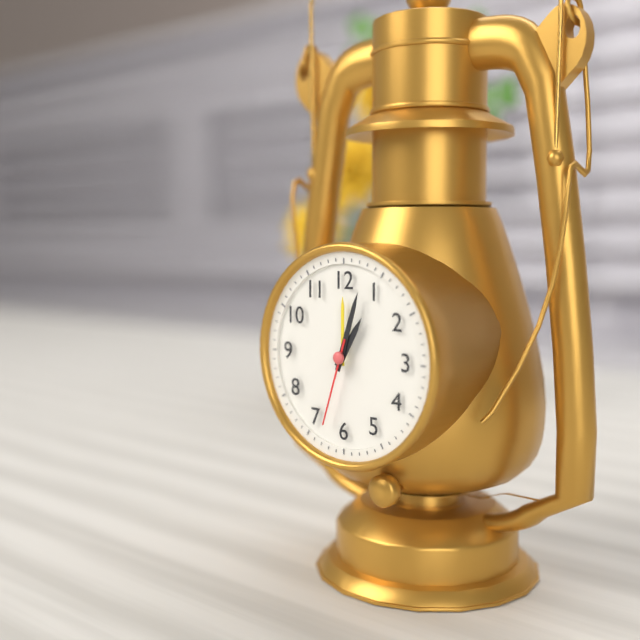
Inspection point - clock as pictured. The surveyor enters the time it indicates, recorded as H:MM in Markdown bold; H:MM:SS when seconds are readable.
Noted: **1:03:33**
